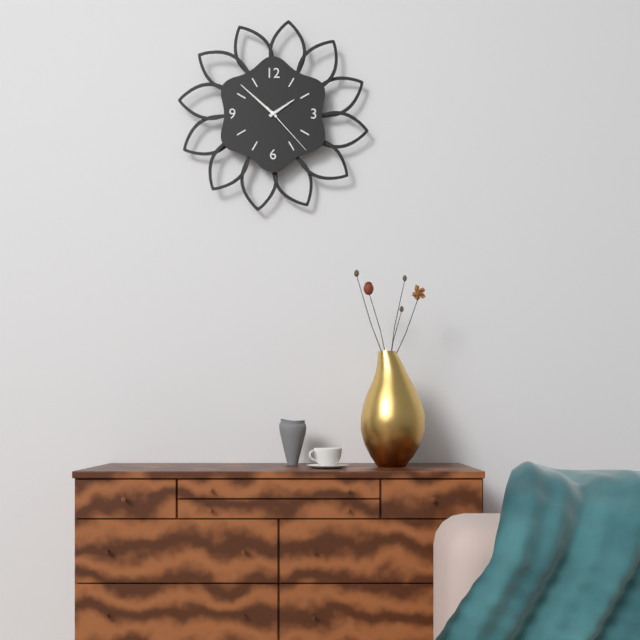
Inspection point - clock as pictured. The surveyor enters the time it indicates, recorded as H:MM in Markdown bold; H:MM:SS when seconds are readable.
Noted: **1:52:23**
